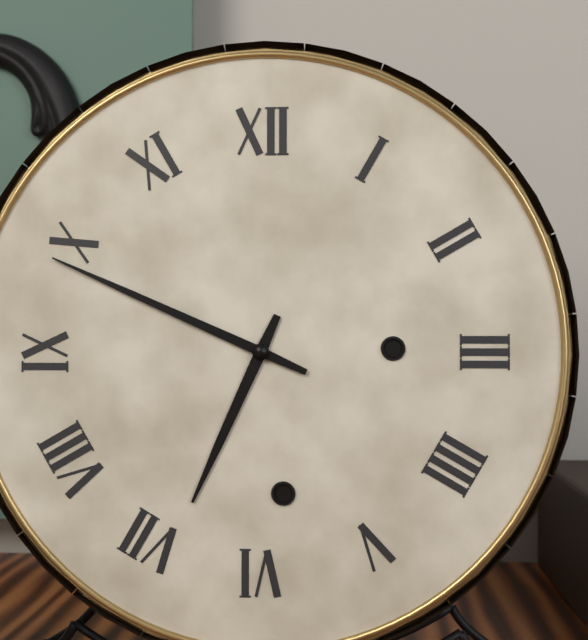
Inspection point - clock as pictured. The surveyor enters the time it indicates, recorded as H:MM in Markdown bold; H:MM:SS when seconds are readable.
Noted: **6:49**
